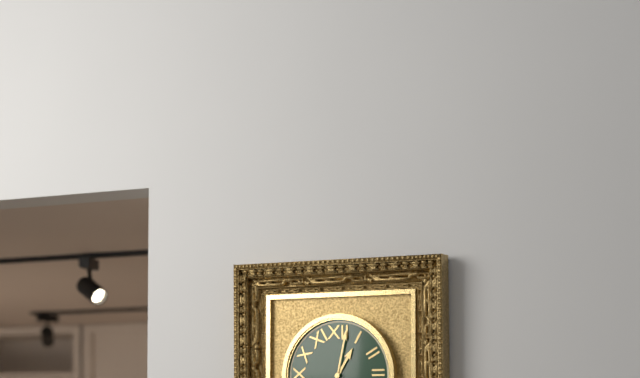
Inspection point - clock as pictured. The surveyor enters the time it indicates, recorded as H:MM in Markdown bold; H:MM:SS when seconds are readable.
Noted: **1:02**
